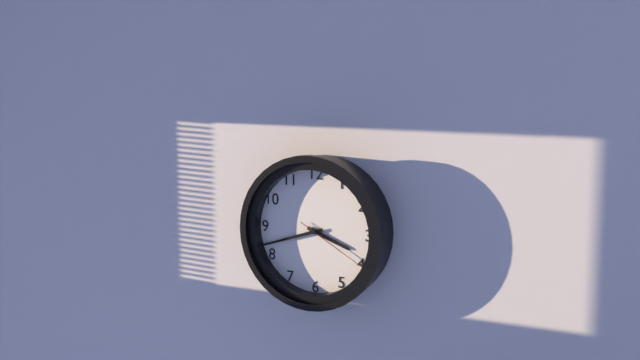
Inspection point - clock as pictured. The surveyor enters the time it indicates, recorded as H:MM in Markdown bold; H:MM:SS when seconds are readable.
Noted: **3:42:20**
